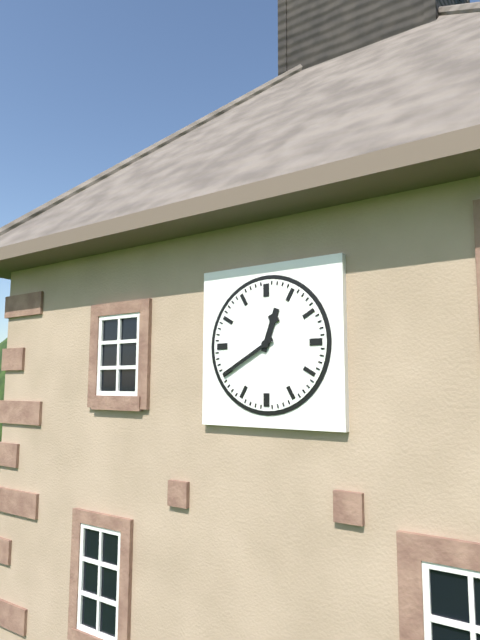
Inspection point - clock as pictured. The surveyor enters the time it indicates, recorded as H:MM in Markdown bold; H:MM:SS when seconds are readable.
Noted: **12:40**
